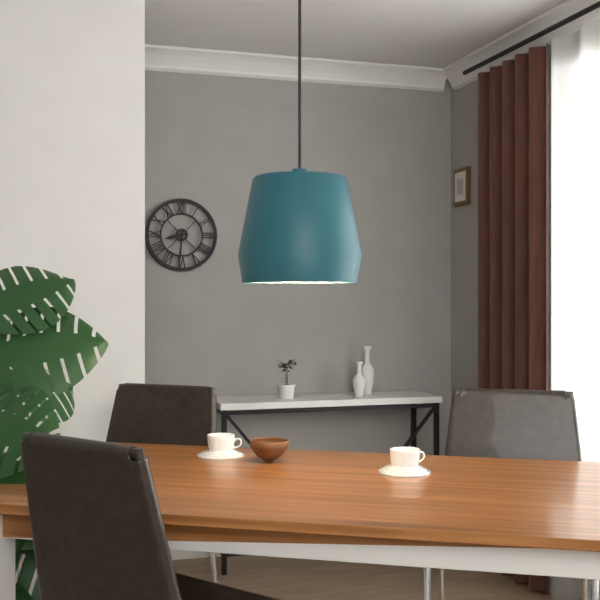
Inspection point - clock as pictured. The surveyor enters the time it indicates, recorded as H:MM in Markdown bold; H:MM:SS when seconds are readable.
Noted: **8:31**
